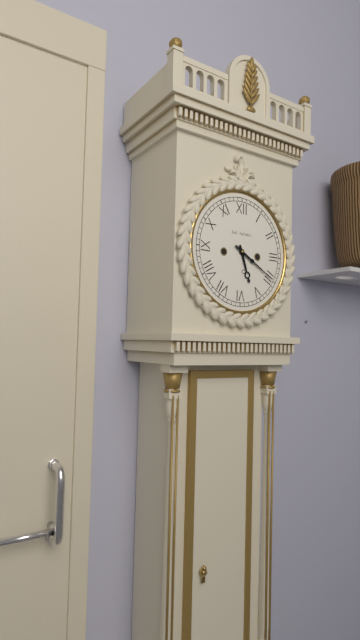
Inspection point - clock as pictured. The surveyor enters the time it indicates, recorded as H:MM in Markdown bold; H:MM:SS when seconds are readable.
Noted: **5:20**
